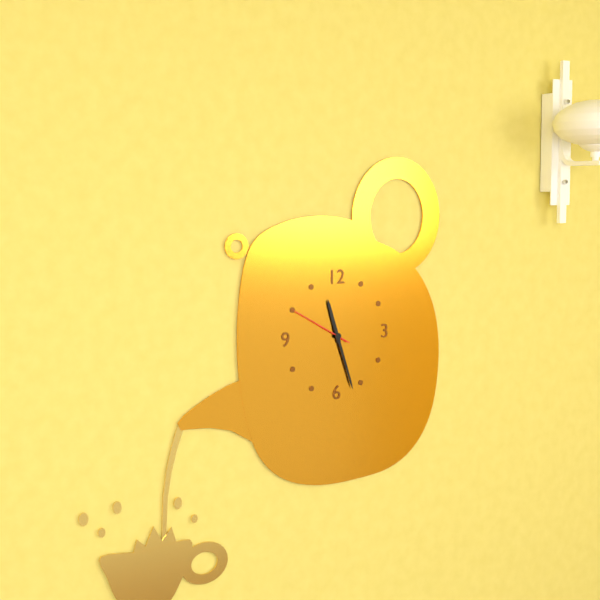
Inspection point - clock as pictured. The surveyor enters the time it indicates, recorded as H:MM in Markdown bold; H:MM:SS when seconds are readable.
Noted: **11:27:50**
